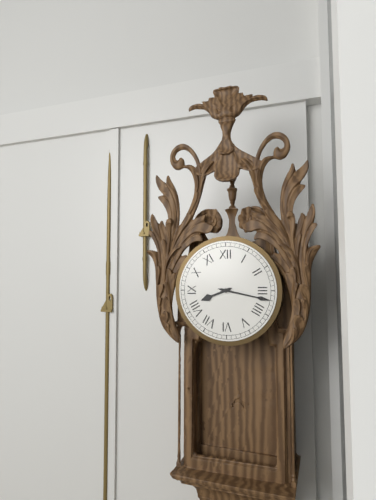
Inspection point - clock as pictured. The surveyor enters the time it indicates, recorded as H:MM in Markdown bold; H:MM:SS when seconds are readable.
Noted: **8:17**
